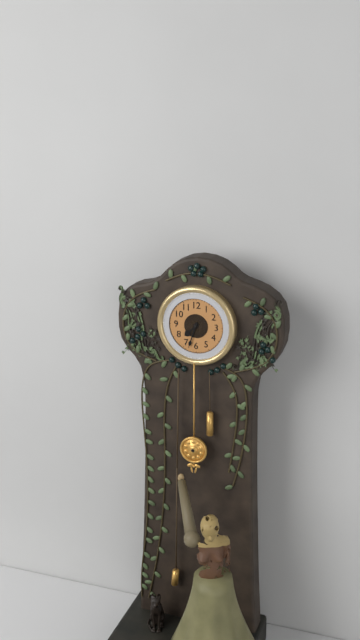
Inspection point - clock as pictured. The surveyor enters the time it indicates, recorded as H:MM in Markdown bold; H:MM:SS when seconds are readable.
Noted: **7:33**
